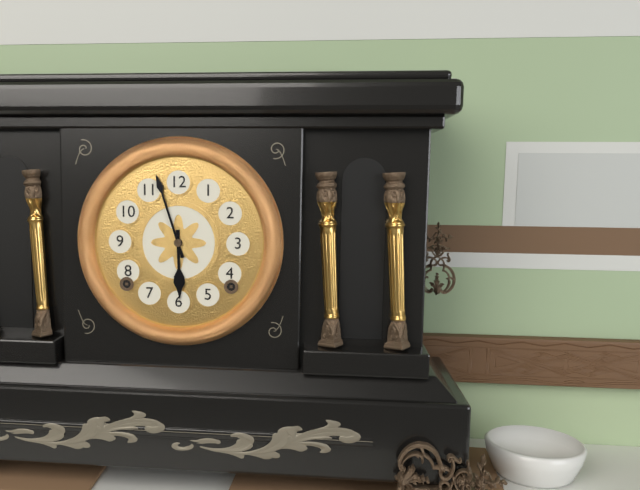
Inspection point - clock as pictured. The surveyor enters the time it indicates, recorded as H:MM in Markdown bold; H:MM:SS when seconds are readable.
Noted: **5:57**
